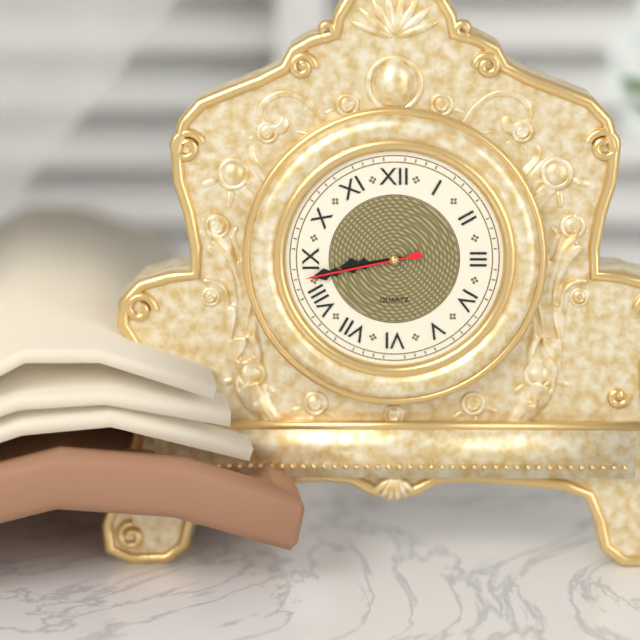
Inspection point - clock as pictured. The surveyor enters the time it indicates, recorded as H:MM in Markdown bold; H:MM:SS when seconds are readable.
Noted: **8:43:43**
